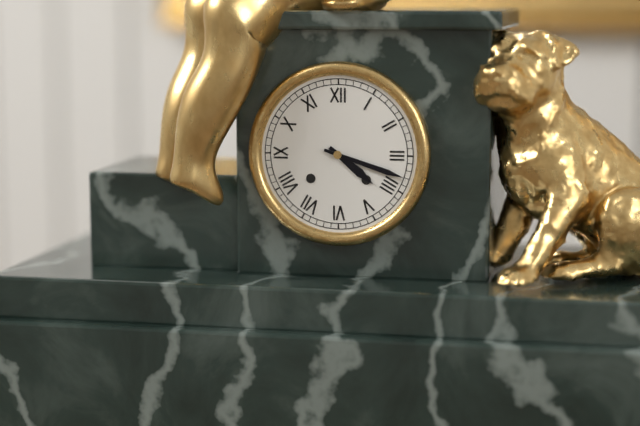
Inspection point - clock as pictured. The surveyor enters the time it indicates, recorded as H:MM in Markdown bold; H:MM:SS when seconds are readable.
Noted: **4:18**
